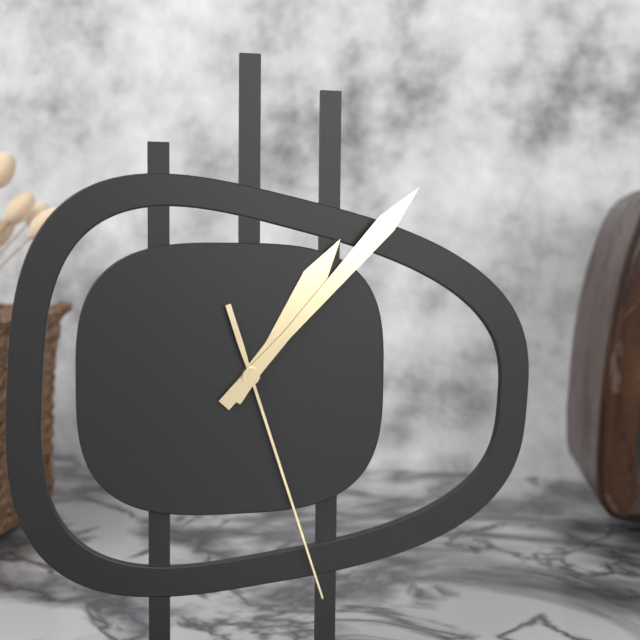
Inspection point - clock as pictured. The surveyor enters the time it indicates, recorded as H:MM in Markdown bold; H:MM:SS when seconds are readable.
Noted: **1:07:27**
